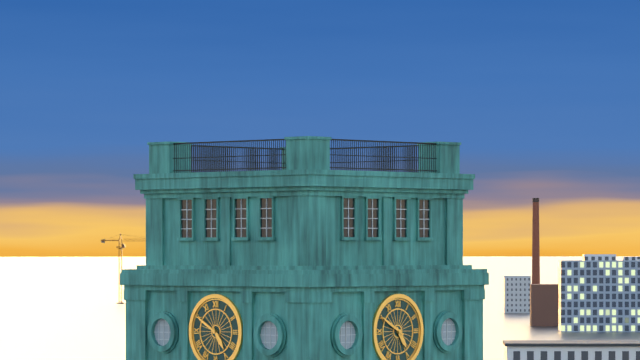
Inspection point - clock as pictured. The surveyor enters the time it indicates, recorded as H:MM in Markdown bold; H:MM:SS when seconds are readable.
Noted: **4:50**
